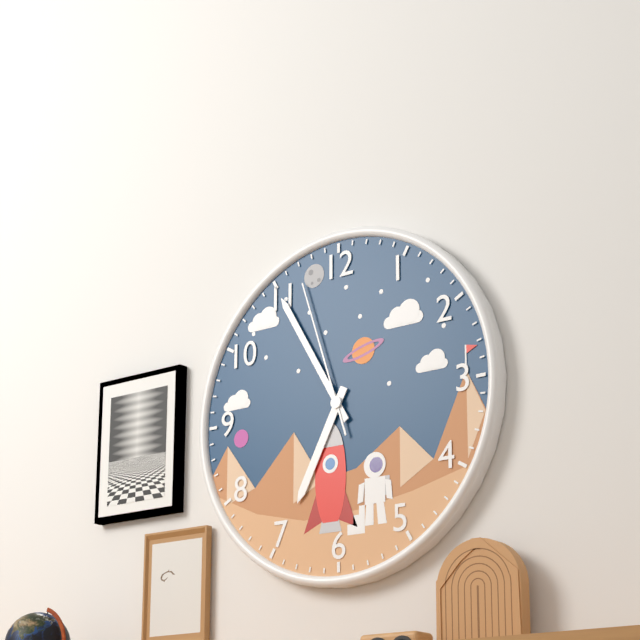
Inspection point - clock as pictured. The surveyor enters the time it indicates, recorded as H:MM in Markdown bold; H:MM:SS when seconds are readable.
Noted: **6:55:57**
